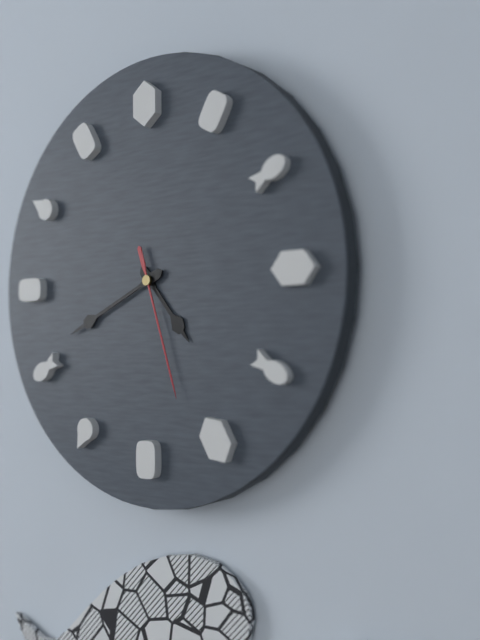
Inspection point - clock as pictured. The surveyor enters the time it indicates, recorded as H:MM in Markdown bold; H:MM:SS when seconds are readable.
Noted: **4:41:27**
